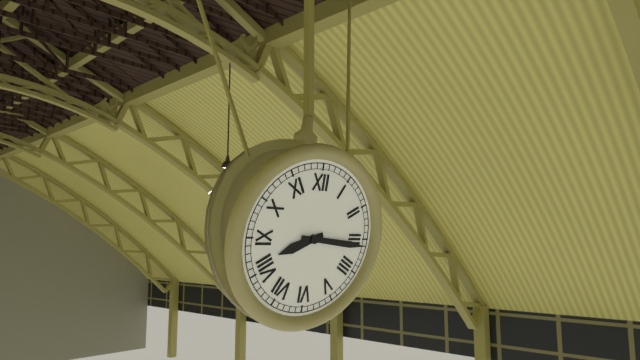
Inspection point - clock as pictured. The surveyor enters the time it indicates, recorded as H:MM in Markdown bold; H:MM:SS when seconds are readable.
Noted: **8:16**
